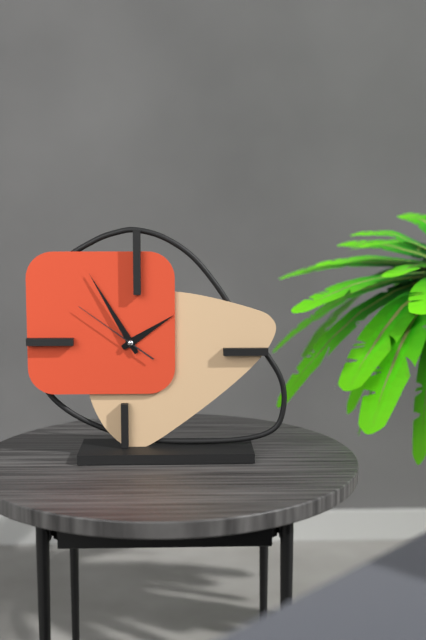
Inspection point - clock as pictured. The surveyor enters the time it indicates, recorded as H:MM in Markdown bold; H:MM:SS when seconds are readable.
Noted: **1:55:51**
